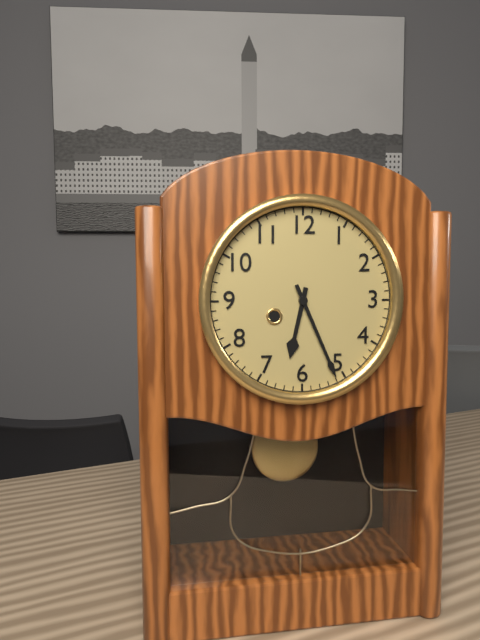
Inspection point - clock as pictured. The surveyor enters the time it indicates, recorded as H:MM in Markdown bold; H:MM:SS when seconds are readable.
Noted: **6:26**
